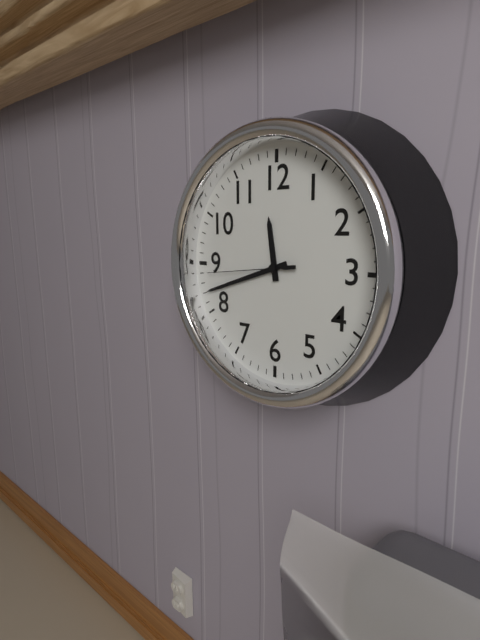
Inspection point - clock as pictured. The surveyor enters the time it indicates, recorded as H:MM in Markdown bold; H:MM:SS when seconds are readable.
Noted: **11:42:44**
